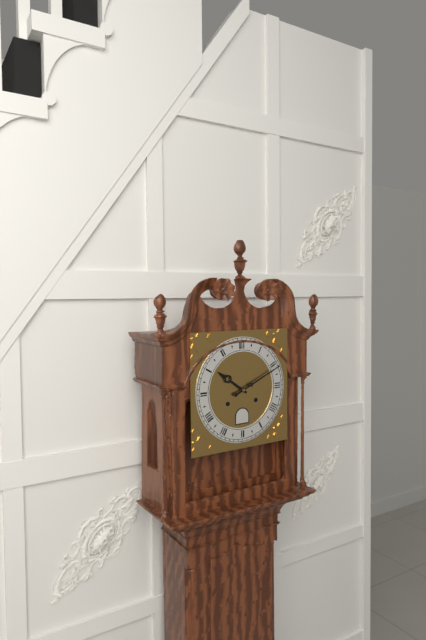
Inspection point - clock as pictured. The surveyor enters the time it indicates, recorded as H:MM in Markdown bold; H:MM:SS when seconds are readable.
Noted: **10:11**
